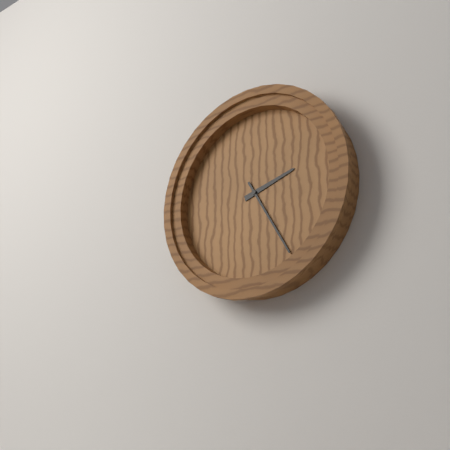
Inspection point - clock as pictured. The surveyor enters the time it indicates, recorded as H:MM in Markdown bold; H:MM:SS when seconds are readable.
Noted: **2:25**
